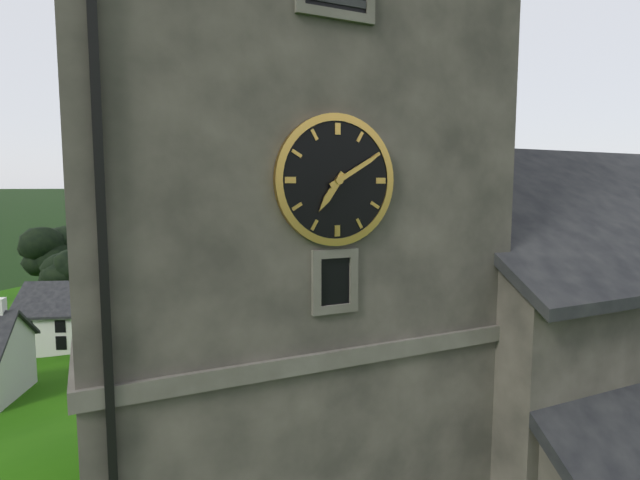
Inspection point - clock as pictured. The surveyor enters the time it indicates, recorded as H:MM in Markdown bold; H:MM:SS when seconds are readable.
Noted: **7:10**
